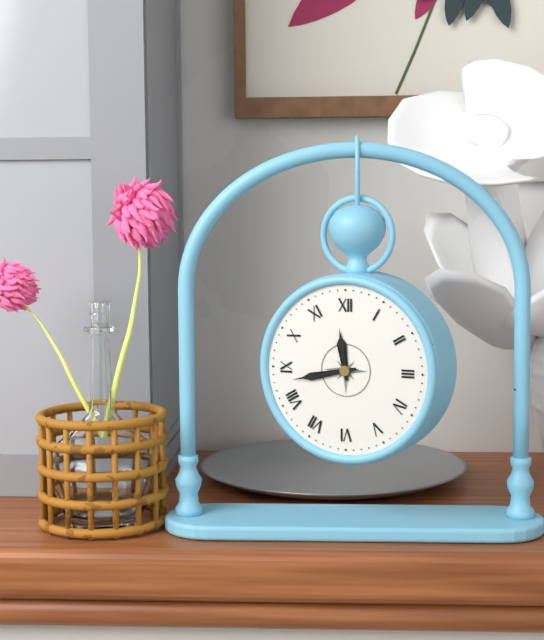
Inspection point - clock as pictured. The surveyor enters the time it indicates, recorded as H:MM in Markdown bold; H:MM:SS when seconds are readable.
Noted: **11:43**
